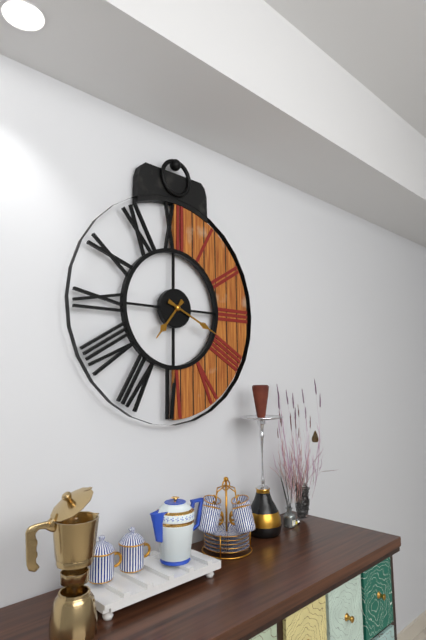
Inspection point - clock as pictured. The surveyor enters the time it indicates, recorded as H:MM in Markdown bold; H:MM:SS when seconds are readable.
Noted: **7:19**
